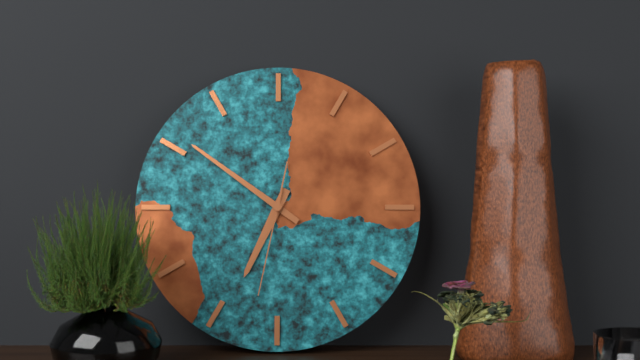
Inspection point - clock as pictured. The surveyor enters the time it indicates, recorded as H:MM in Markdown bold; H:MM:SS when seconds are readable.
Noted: **6:51:32**
